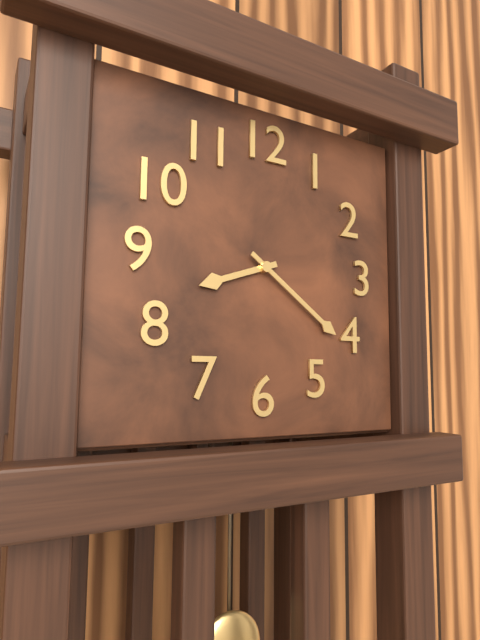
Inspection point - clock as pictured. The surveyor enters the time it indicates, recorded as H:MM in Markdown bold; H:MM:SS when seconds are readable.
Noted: **8:21**
